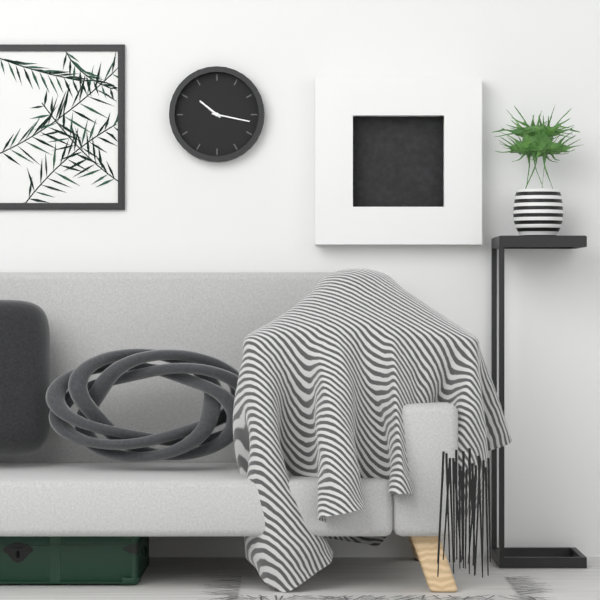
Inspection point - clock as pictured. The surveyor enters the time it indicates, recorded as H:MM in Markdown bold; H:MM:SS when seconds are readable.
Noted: **10:17**
